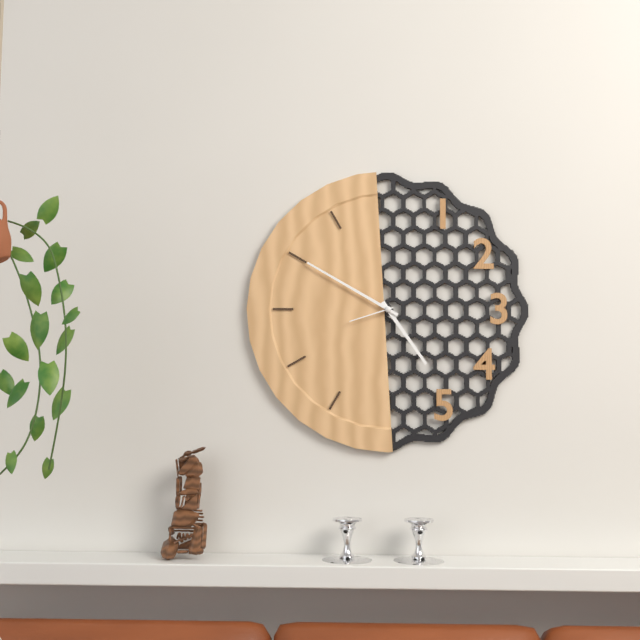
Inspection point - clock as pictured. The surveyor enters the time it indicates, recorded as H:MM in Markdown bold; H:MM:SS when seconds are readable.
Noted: **4:50**
